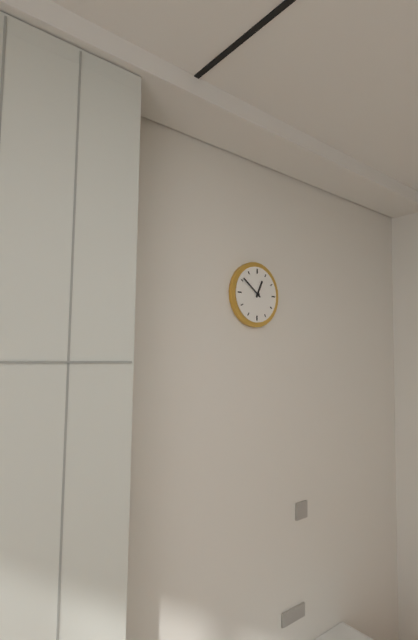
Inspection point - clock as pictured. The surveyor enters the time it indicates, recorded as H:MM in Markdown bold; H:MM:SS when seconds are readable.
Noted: **12:51**
